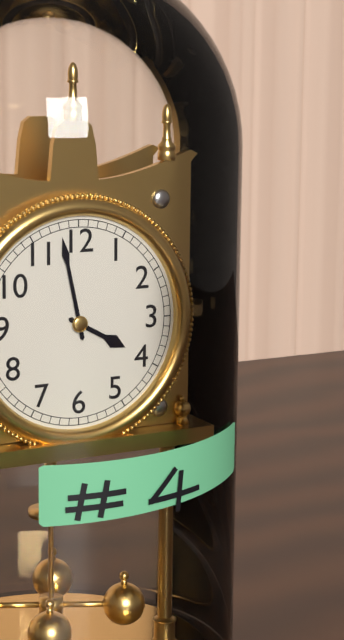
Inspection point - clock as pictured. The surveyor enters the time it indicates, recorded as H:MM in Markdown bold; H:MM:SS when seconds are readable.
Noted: **3:58**
